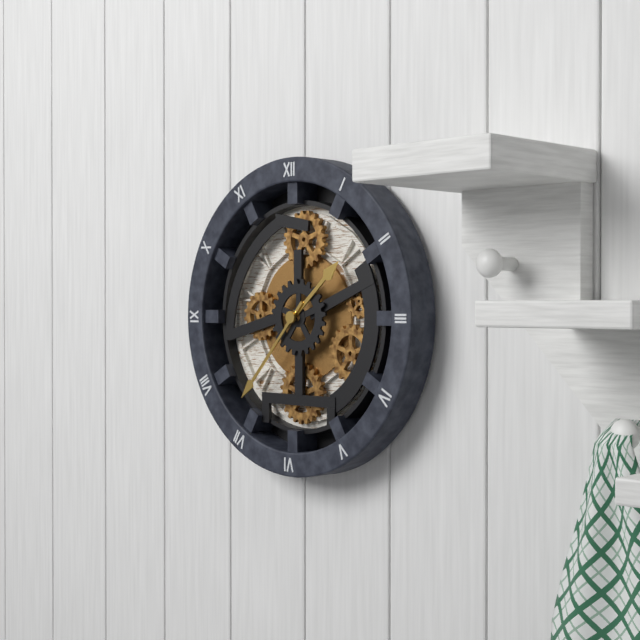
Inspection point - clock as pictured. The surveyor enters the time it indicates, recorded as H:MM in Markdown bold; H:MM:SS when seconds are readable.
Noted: **1:37**
